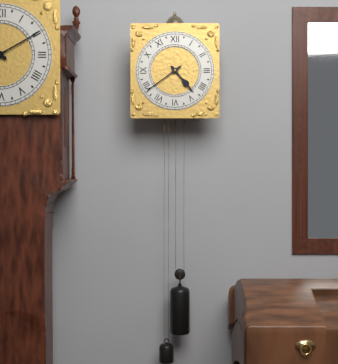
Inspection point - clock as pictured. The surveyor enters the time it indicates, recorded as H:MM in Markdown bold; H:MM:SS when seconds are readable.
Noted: **4:39**
